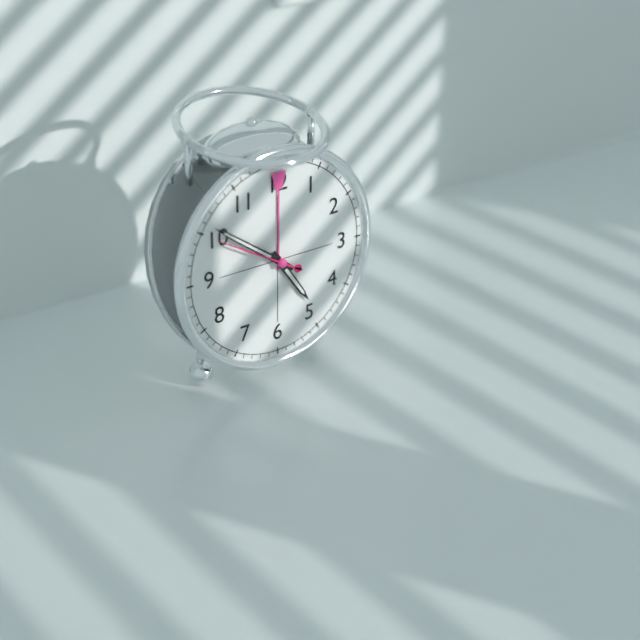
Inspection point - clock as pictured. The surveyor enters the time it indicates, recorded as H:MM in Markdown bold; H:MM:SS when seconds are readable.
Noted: **4:51:50**
